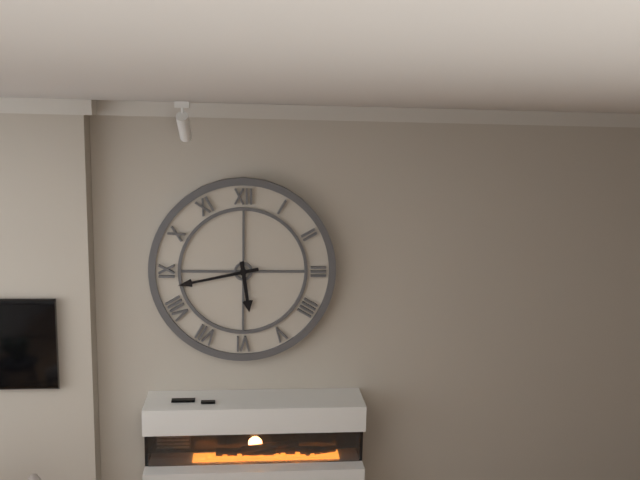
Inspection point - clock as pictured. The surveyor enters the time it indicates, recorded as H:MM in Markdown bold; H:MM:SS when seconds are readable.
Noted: **5:43**
